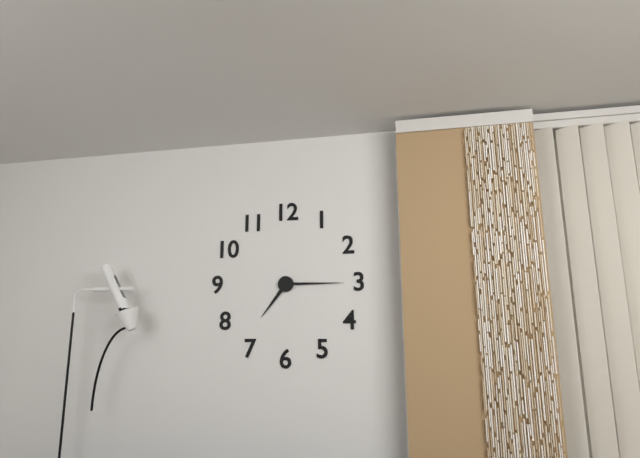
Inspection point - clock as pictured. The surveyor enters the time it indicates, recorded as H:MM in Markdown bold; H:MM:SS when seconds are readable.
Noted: **7:15**
